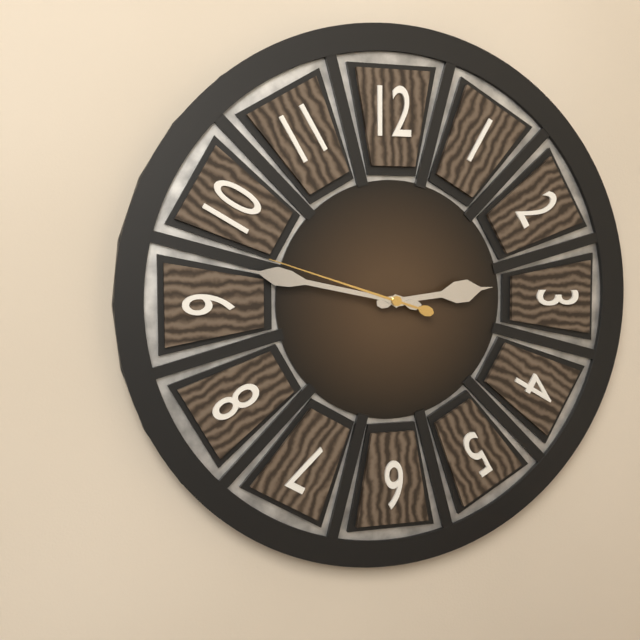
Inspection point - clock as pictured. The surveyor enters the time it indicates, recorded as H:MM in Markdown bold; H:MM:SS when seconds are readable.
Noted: **2:47:48**
